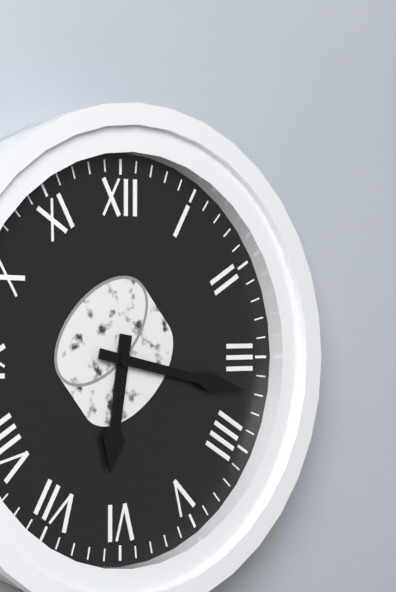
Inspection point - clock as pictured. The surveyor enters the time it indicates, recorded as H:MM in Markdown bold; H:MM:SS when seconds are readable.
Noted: **6:17**
